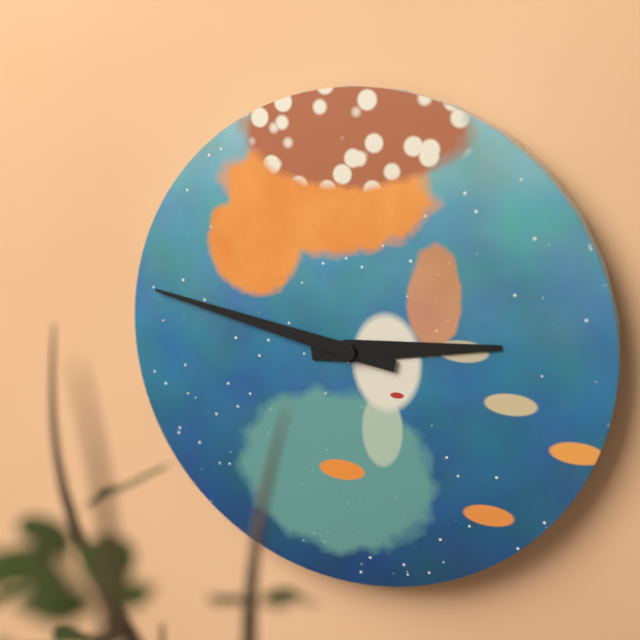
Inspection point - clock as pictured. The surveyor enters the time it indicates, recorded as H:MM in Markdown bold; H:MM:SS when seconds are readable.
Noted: **2:47**
